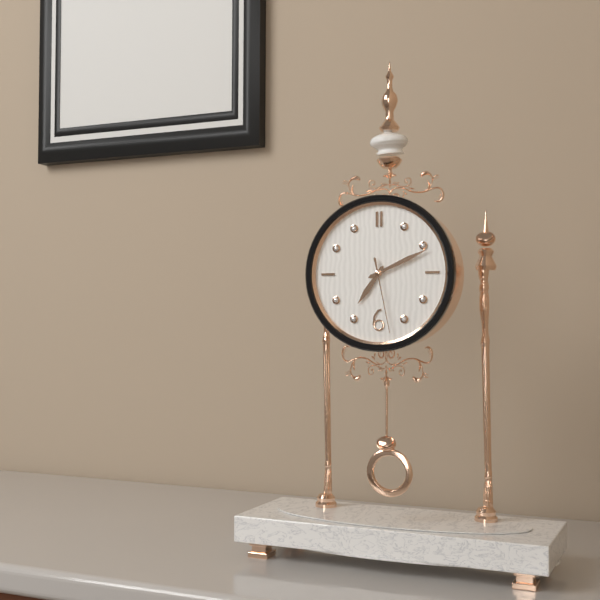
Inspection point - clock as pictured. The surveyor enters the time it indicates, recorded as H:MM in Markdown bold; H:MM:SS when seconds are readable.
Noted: **7:11:28**
